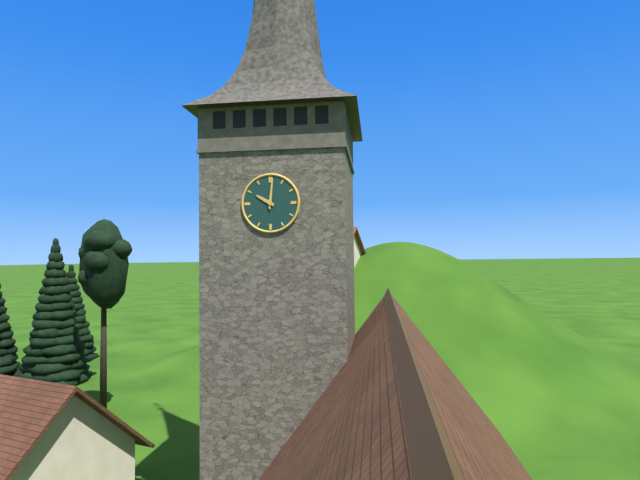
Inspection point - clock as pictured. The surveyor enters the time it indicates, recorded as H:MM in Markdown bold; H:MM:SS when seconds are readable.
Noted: **10:01**
